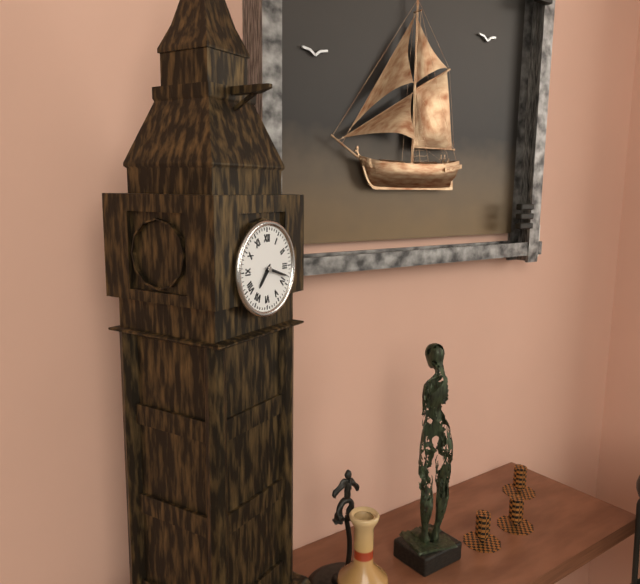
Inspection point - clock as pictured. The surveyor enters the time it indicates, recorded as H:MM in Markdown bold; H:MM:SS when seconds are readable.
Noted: **7:18**
